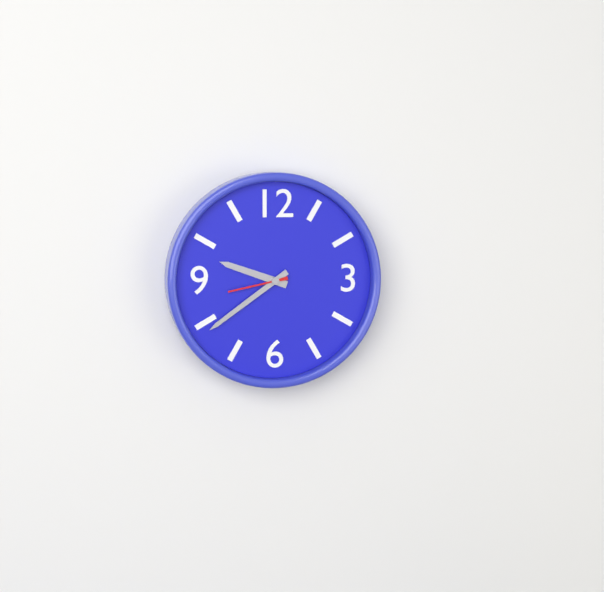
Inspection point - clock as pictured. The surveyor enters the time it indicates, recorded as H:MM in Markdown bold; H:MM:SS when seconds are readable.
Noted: **9:39:43**
